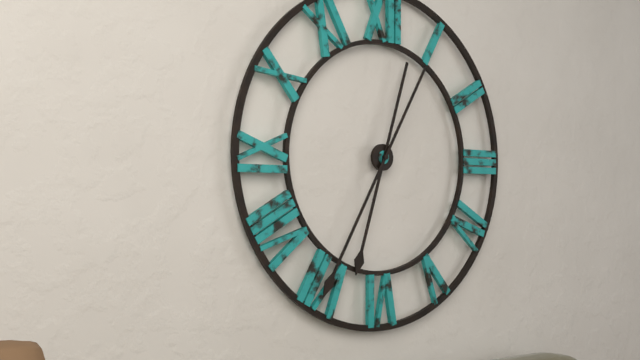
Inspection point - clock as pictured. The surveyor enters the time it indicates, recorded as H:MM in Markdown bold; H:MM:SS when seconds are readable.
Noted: **6:35**
